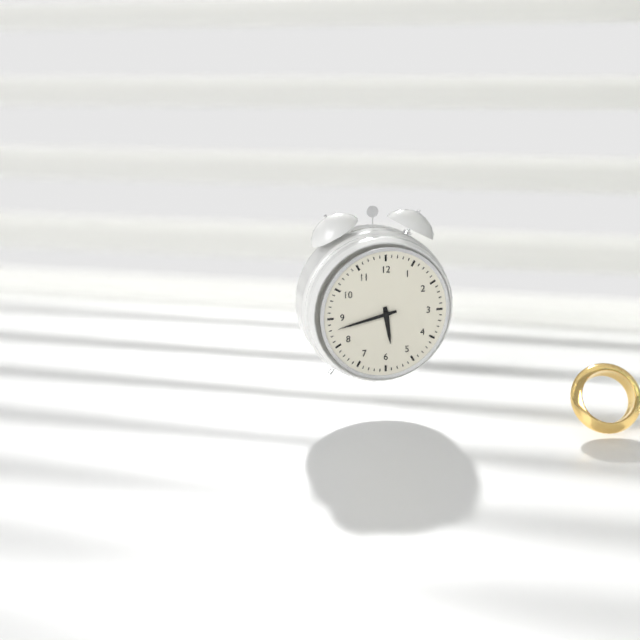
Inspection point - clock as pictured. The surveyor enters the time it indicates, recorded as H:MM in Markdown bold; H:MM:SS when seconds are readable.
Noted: **5:43**
